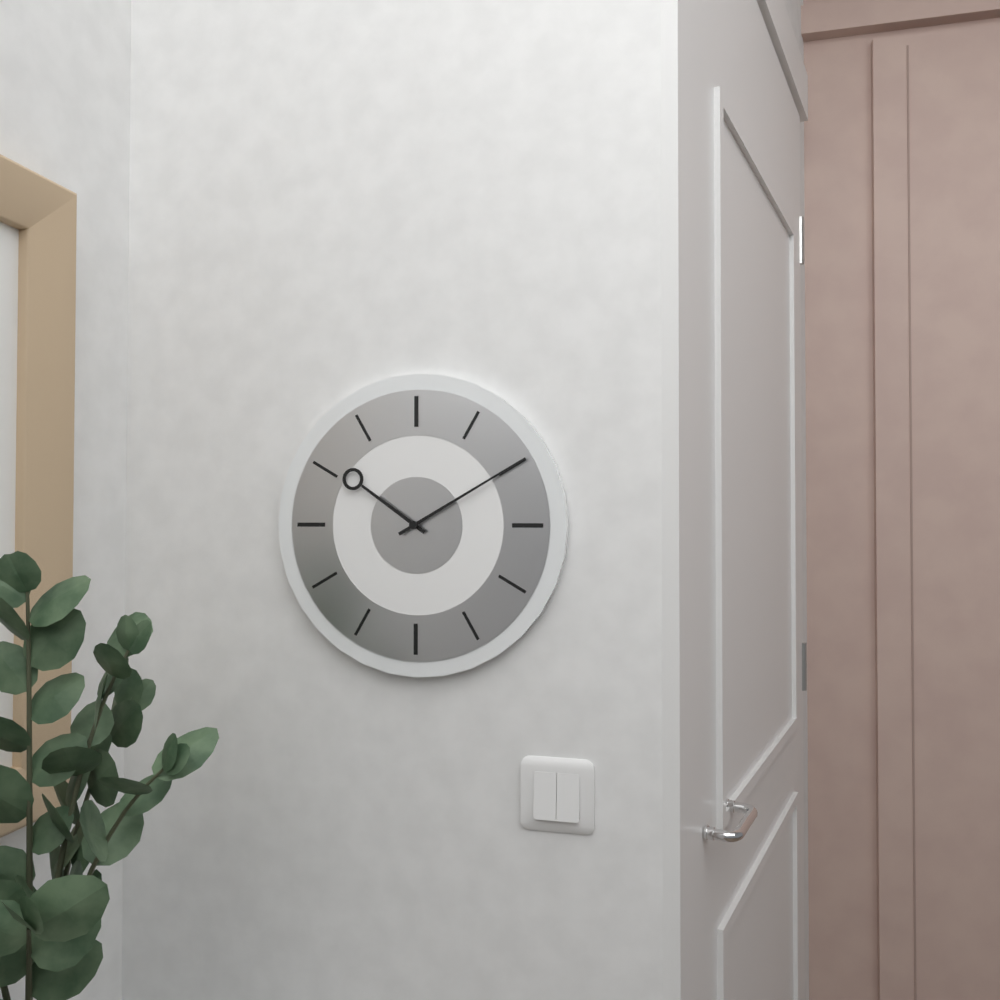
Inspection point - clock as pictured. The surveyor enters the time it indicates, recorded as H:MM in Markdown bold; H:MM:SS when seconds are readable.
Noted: **10:10**
